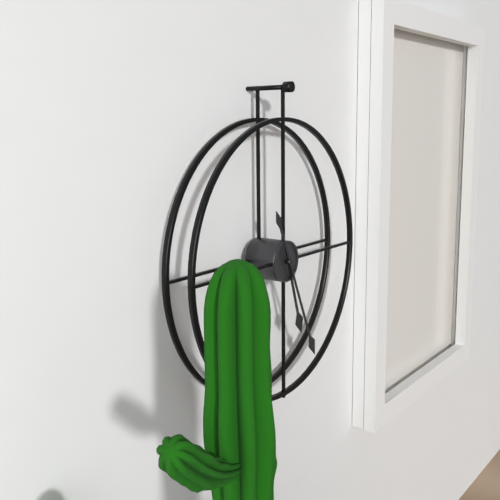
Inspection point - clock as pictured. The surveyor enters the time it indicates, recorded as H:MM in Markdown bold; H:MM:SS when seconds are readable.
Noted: **5:26**
